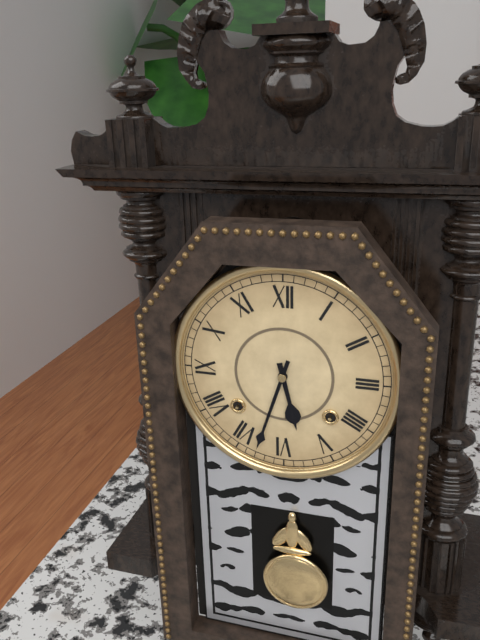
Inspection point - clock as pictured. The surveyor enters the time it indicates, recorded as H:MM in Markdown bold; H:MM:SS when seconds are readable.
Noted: **5:33**
